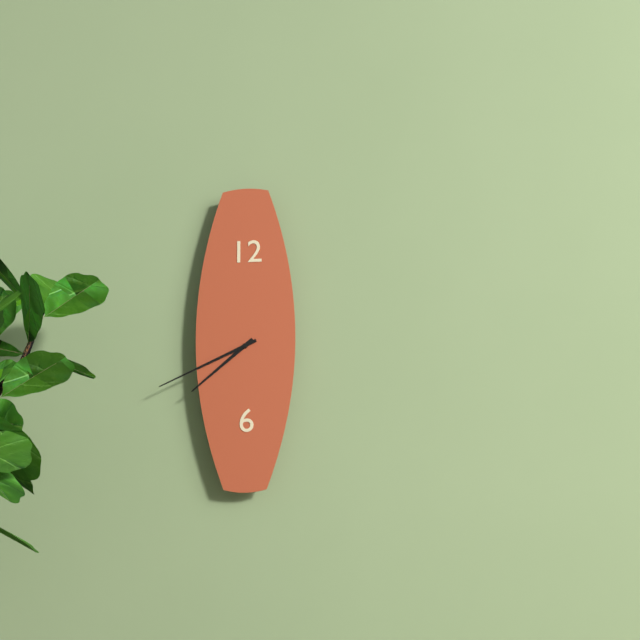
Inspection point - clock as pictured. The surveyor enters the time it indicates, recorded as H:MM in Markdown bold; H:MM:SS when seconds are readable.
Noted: **7:41**
